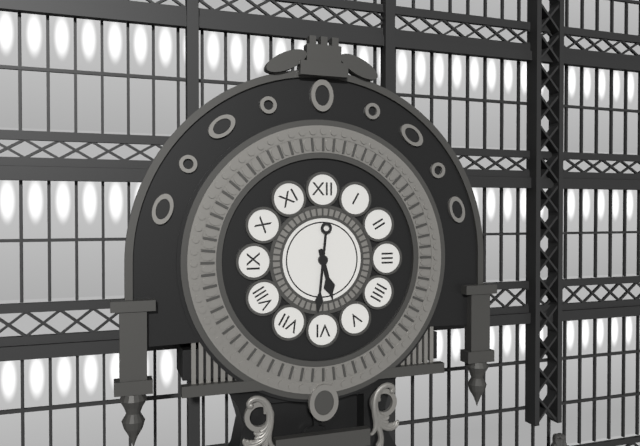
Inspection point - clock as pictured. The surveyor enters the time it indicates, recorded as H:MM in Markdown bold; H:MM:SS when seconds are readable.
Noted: **5:31**
